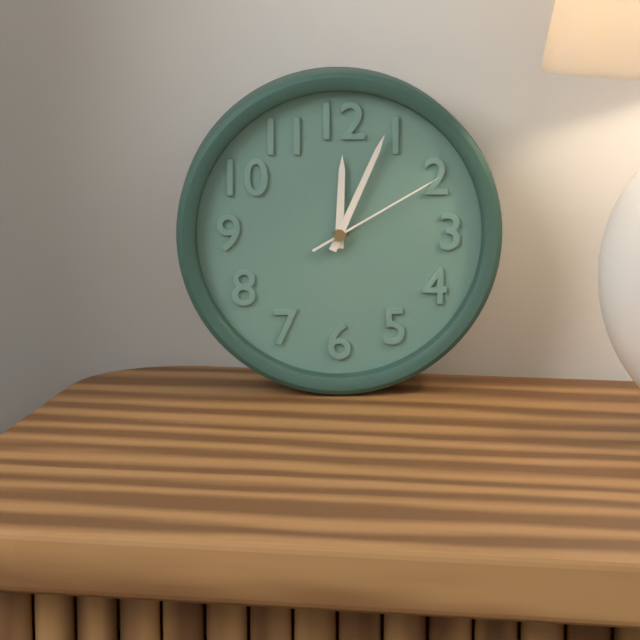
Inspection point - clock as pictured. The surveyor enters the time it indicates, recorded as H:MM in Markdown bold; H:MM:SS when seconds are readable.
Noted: **12:04:10**
